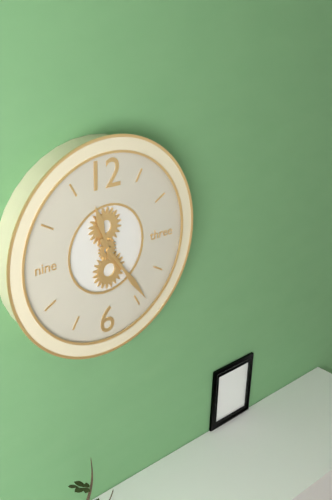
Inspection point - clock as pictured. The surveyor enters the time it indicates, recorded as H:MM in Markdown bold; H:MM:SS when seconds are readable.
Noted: **11:24**
